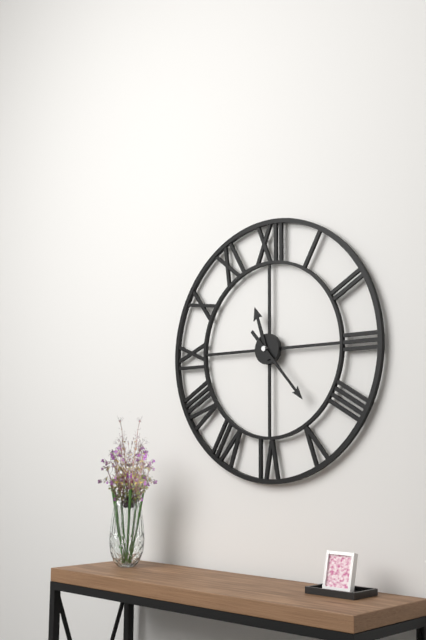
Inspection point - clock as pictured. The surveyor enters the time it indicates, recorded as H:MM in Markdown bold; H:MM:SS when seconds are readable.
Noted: **11:23**
